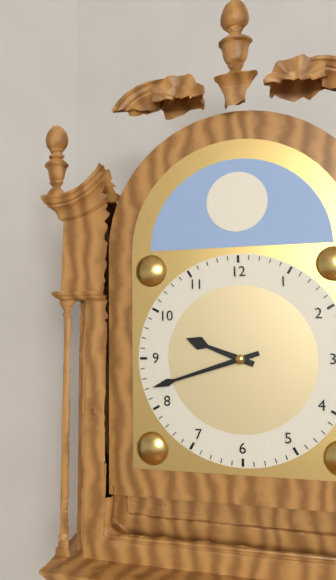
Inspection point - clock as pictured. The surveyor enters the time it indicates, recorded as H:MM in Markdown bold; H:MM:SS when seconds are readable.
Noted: **9:42**
